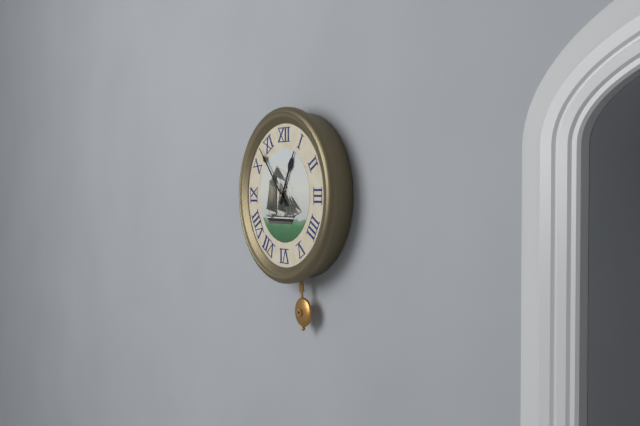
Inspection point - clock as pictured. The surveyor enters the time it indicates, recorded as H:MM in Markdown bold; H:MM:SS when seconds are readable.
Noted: **12:53**
